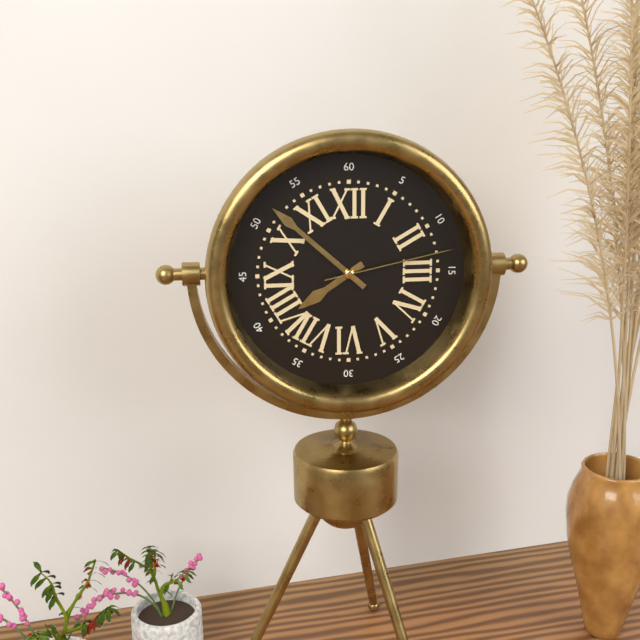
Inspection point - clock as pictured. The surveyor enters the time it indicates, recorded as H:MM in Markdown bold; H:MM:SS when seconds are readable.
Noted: **7:52:13**
